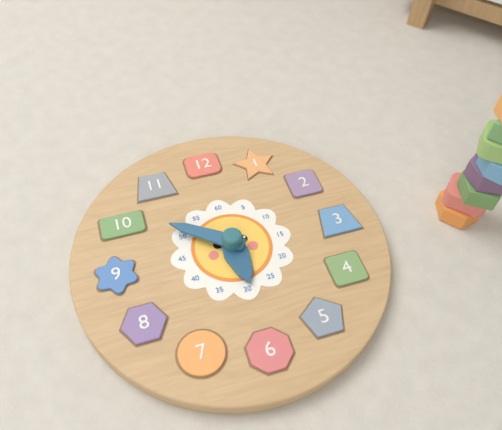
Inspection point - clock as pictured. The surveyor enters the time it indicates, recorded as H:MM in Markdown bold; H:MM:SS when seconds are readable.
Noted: **5:51**
